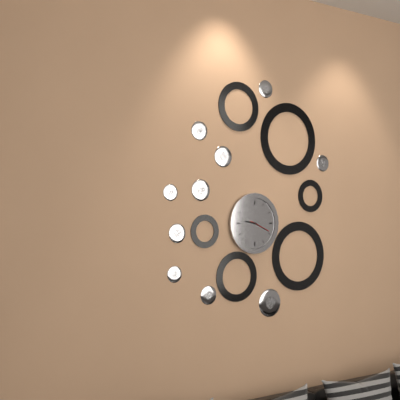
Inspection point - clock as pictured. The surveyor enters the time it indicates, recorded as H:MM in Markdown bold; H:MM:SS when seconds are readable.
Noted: **9:19**
